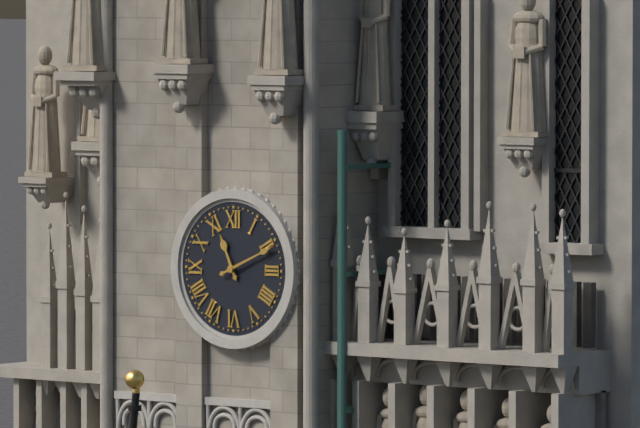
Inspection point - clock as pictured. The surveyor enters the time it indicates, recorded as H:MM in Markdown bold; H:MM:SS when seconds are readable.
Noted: **11:11**
